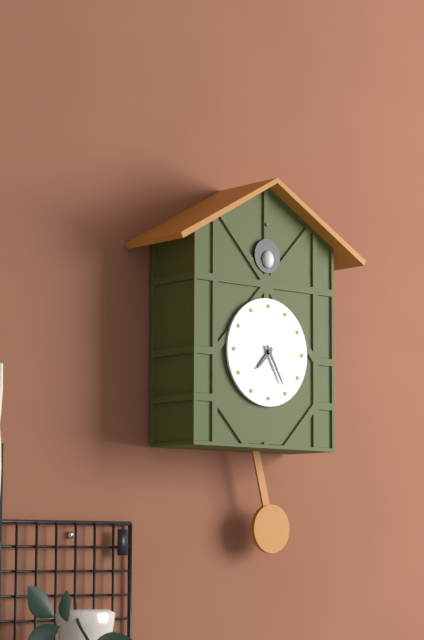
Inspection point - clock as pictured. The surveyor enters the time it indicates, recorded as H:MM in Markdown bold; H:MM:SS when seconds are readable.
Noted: **7:25**
